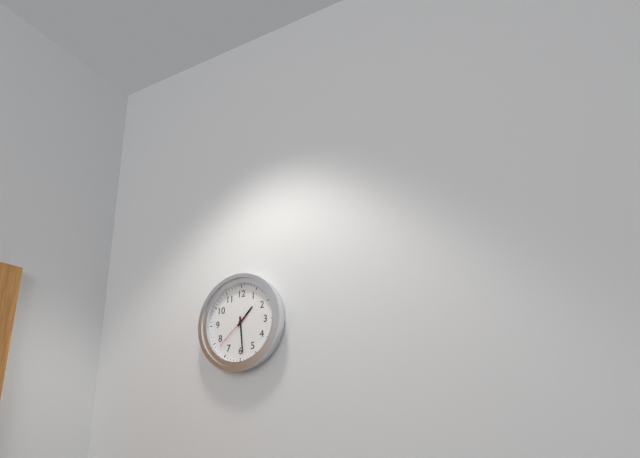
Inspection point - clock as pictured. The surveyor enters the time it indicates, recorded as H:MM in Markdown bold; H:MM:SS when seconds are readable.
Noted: **1:29**
